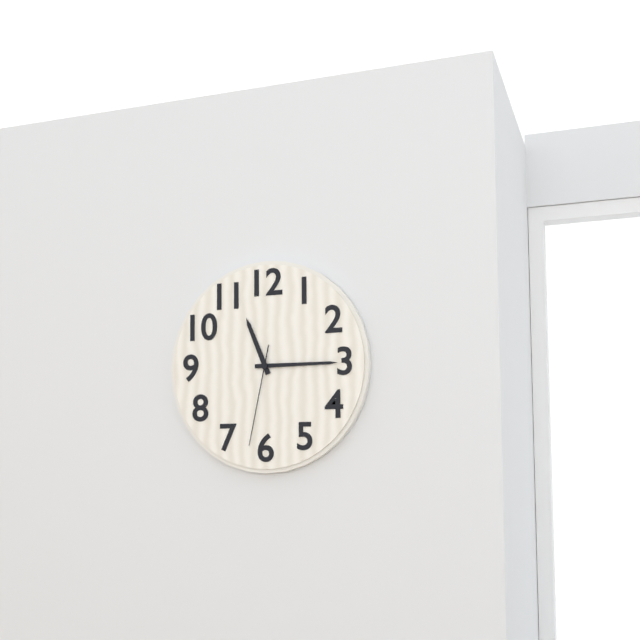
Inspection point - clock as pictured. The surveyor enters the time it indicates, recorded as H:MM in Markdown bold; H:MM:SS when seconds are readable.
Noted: **11:15:32**
